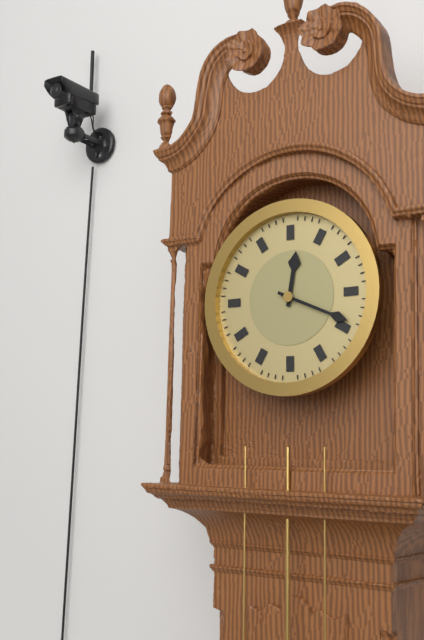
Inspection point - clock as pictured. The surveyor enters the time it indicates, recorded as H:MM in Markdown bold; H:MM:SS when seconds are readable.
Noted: **12:19**
